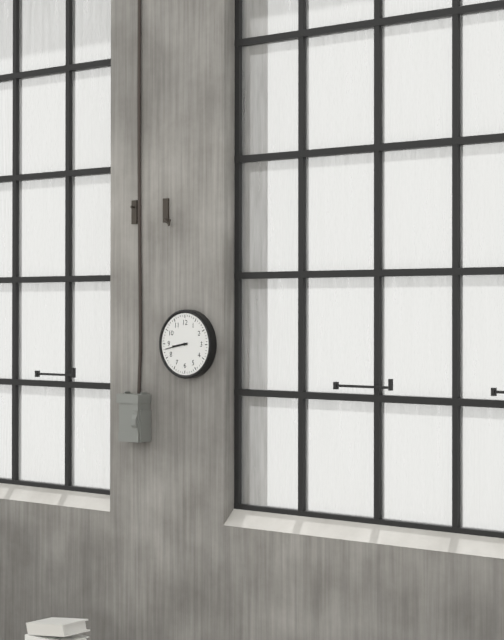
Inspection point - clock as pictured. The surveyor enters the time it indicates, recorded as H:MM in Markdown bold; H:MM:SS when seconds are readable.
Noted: **8:43**
